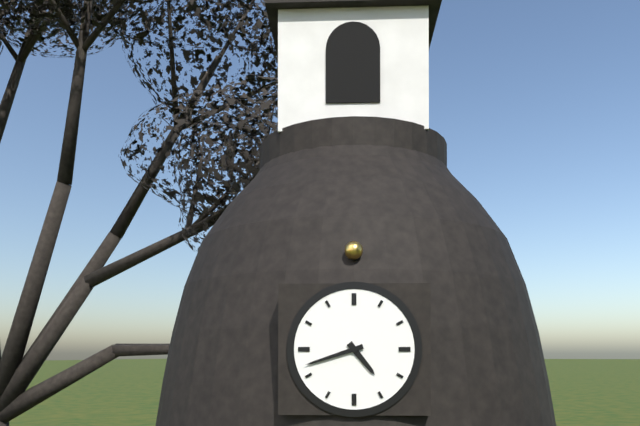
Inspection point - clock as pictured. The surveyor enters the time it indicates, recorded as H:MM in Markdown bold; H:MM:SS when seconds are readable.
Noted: **4:42**
